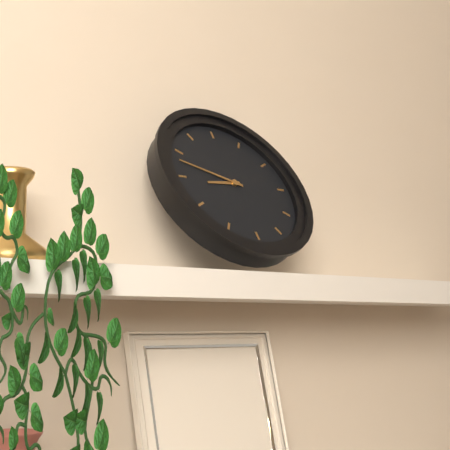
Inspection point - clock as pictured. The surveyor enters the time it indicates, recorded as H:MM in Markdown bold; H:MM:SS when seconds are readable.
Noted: **8:48**
